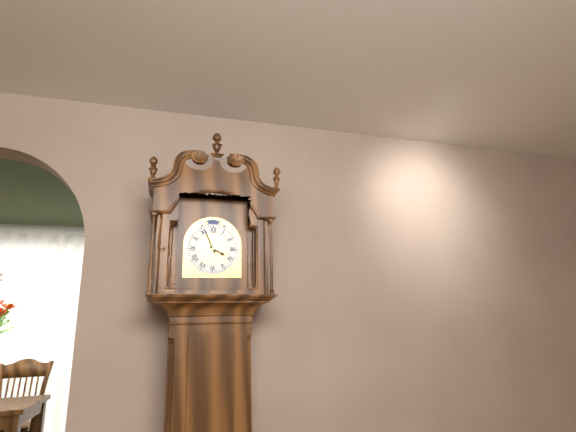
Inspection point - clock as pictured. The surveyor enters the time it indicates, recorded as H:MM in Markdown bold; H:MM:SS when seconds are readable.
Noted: **3:56**
